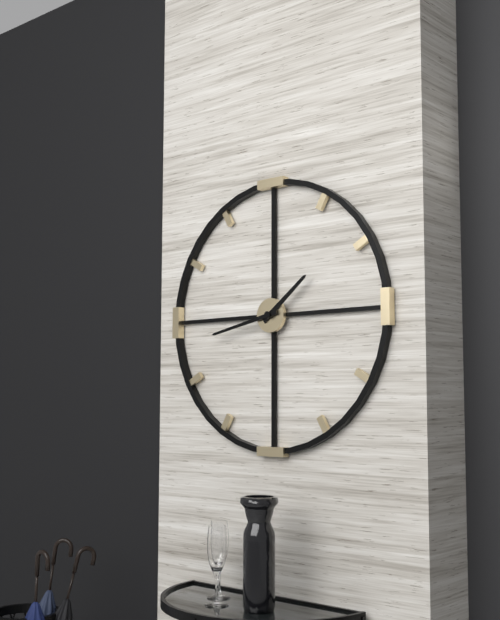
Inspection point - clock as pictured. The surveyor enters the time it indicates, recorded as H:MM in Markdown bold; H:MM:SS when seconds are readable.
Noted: **1:43**
